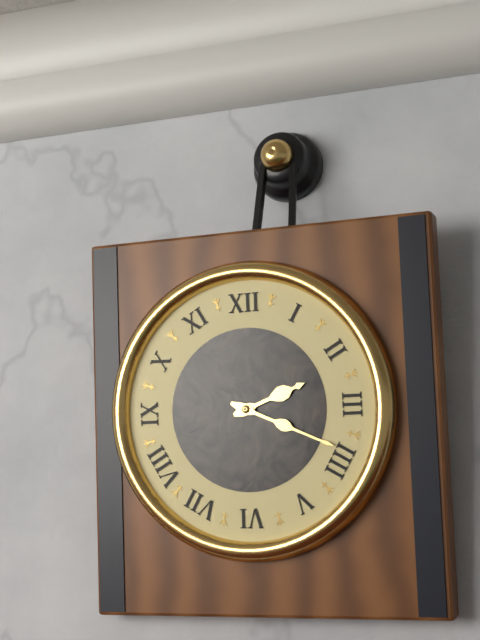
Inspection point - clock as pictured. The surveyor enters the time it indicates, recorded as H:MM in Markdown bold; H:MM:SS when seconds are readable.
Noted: **2:19**
